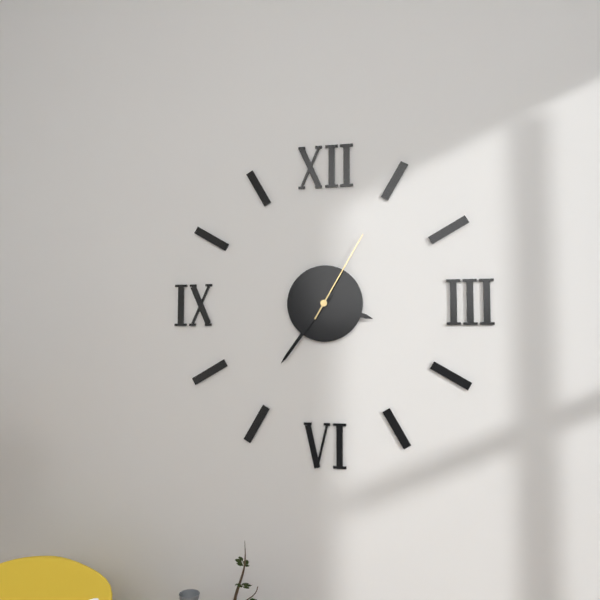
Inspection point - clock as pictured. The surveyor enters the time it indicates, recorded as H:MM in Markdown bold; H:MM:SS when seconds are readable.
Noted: **3:36:05**
